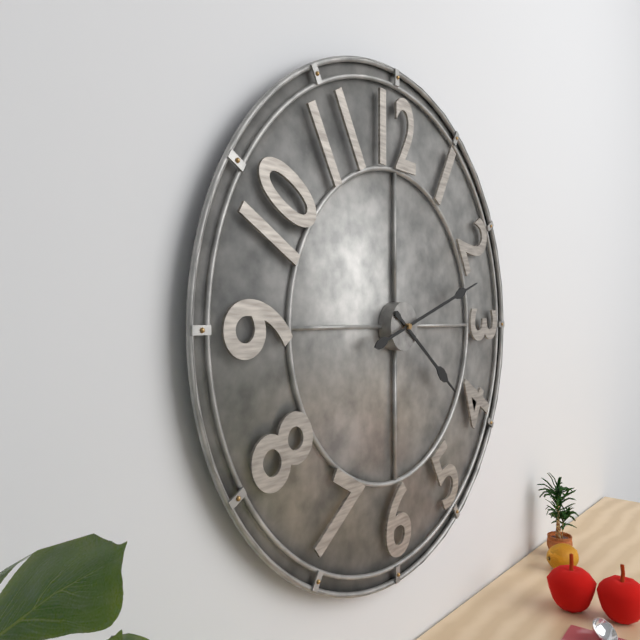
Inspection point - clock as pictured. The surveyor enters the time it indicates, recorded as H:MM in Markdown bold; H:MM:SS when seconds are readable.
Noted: **4:12**
